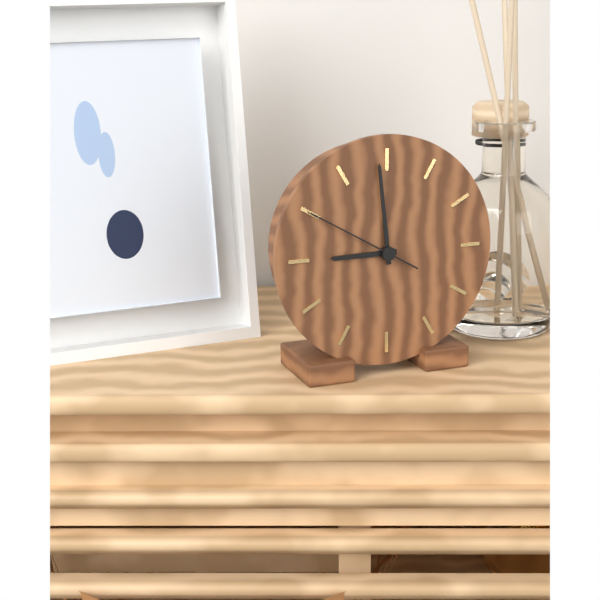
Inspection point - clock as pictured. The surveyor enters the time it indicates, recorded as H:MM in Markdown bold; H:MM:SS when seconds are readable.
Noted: **8:59:50**
